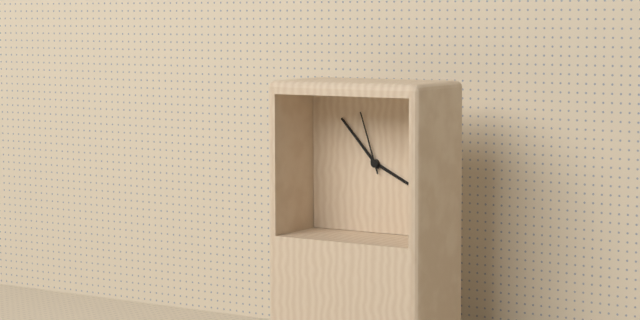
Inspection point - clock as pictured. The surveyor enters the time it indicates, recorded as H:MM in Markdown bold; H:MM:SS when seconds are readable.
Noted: **3:53:57**
